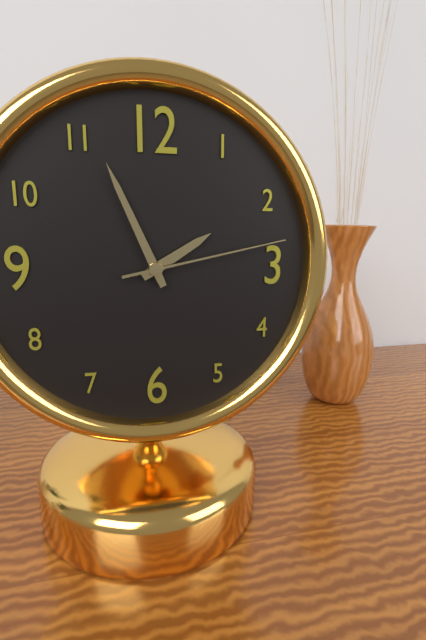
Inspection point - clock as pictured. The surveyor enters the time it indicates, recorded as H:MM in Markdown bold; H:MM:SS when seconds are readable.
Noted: **1:56:13**
